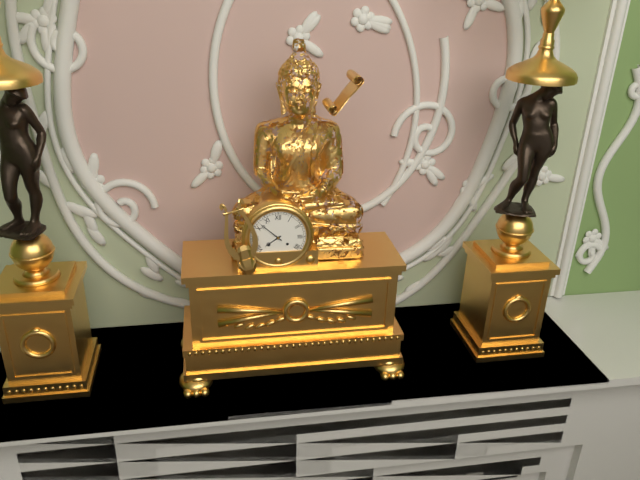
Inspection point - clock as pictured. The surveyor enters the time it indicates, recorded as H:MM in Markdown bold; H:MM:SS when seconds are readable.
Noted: **7:52**
